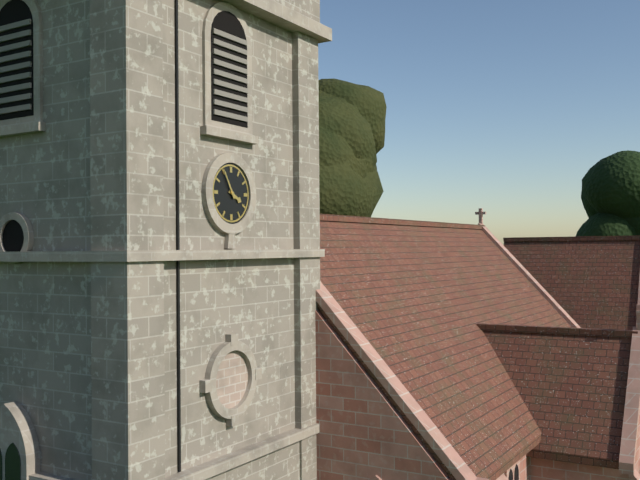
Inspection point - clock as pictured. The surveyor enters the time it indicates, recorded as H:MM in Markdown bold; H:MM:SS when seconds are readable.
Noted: **3:55**
